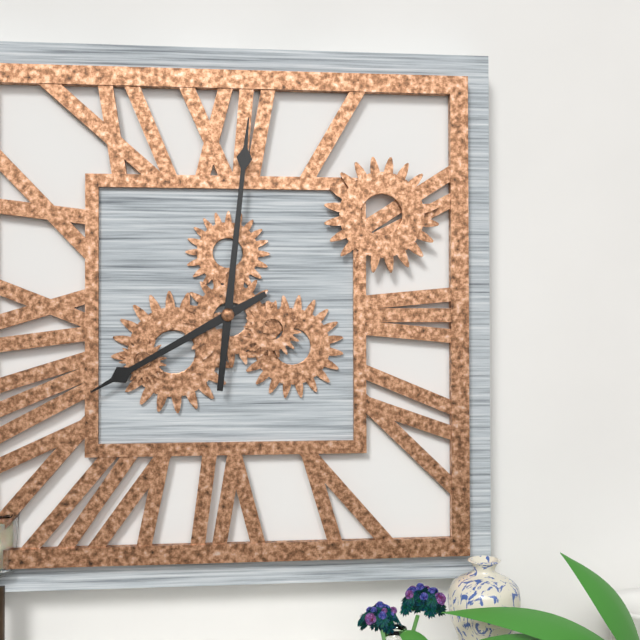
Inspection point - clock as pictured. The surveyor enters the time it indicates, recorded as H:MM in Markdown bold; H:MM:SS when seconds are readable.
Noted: **8:01**
